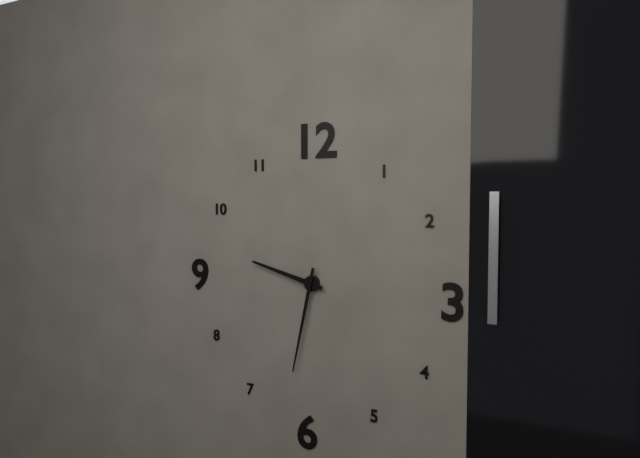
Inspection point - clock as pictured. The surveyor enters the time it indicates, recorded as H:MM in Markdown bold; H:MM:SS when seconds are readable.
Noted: **9:32**
